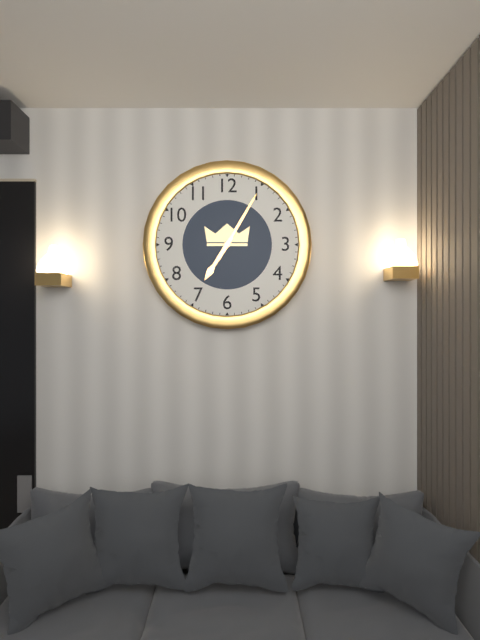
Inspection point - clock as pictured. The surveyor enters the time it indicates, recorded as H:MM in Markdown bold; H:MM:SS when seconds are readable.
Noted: **7:05**
